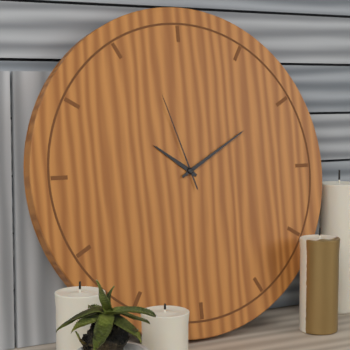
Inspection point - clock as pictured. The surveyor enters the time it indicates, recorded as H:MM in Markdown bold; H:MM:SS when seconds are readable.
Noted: **10:10:57**
